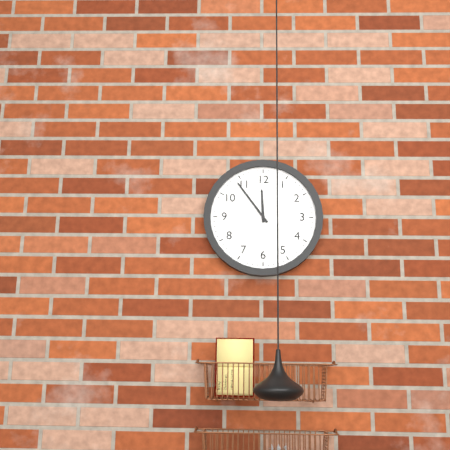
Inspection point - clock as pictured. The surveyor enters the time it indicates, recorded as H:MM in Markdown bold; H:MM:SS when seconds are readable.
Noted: **11:54**
